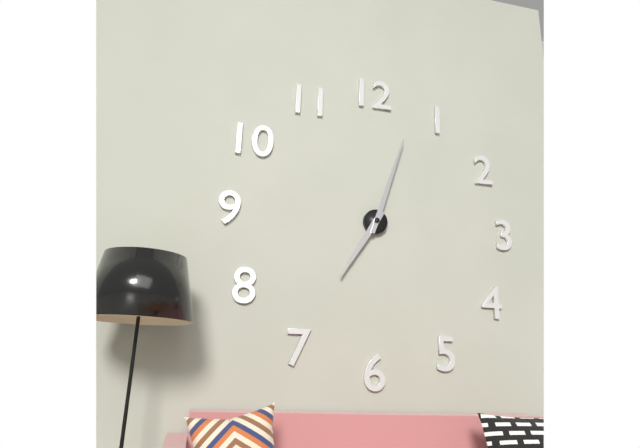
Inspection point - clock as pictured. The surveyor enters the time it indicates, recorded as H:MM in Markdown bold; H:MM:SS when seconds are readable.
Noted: **7:03**
